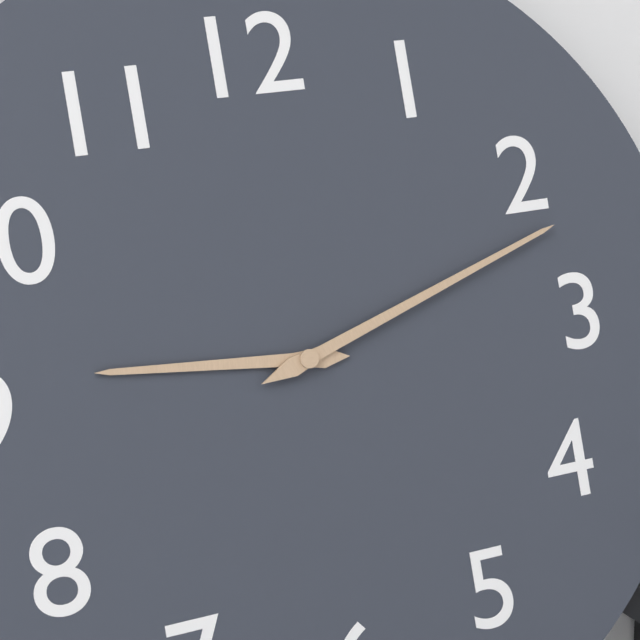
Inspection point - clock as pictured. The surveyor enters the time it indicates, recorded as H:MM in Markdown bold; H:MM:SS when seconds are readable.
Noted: **9:12**
